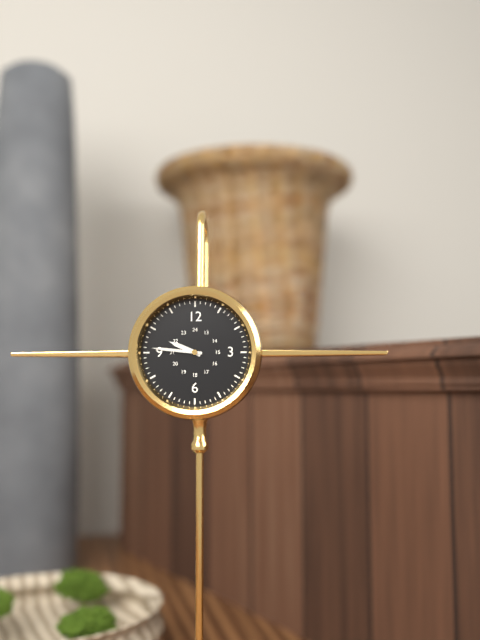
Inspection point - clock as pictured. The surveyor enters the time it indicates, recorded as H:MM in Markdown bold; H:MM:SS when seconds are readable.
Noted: **9:46**
